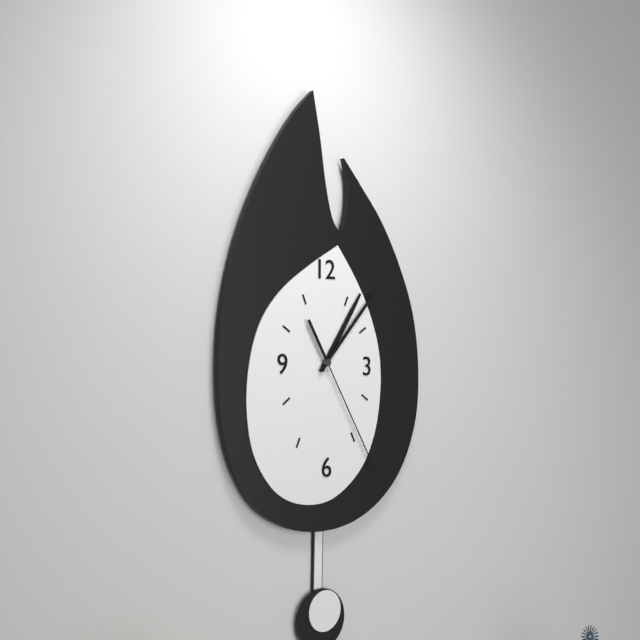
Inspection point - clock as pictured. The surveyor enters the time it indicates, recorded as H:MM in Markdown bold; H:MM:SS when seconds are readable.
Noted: **1:07:25**
